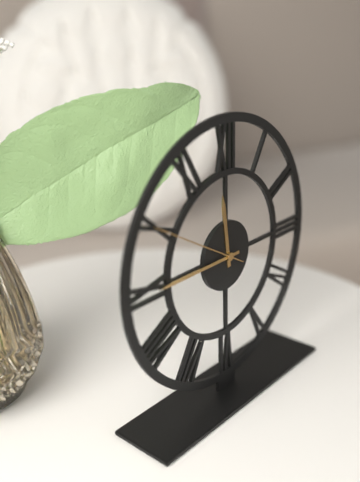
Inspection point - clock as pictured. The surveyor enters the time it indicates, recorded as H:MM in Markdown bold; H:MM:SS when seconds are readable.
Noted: **11:45:50**
